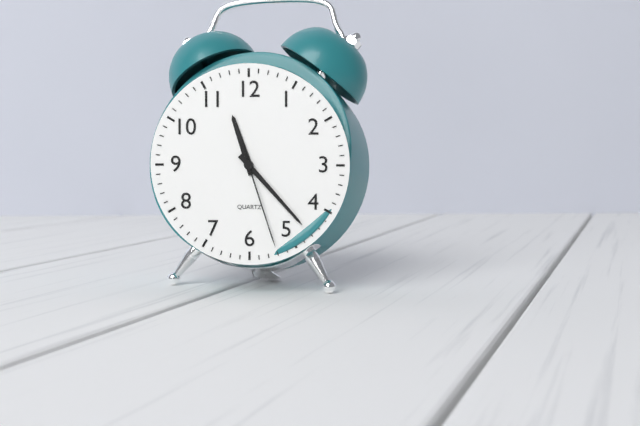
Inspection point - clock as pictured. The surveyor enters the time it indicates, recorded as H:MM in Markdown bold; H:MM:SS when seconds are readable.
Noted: **11:23:27**
